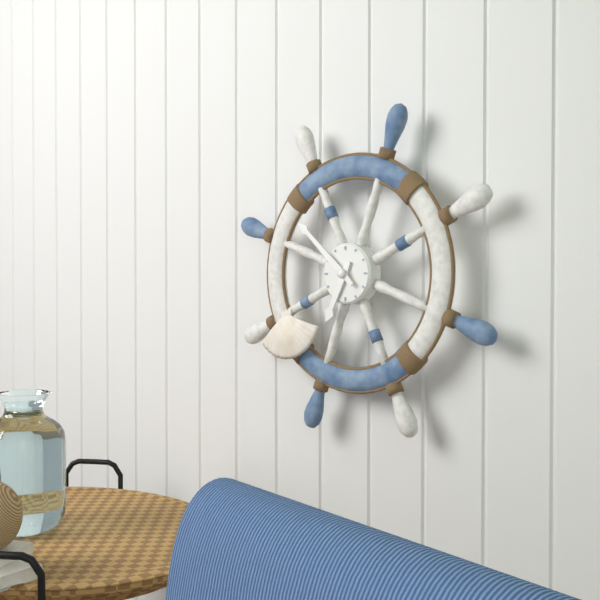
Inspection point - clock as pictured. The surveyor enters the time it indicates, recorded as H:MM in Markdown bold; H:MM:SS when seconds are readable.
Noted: **6:52**
